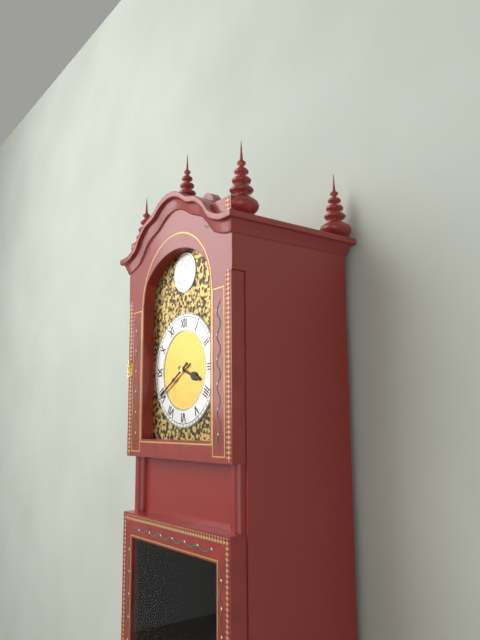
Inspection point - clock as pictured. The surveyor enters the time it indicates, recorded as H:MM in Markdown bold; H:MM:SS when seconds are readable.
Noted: **3:40**
